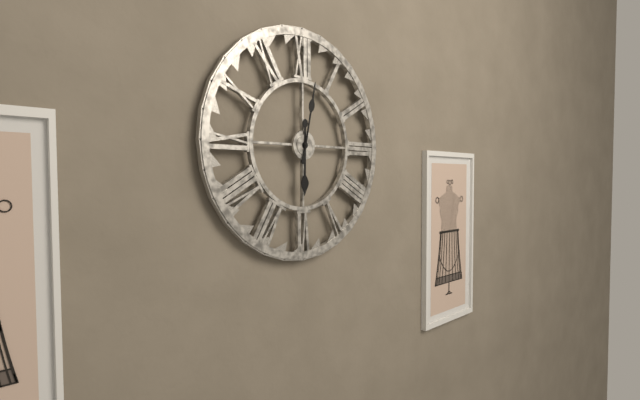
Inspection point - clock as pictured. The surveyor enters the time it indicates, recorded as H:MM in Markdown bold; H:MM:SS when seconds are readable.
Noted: **6:02**
